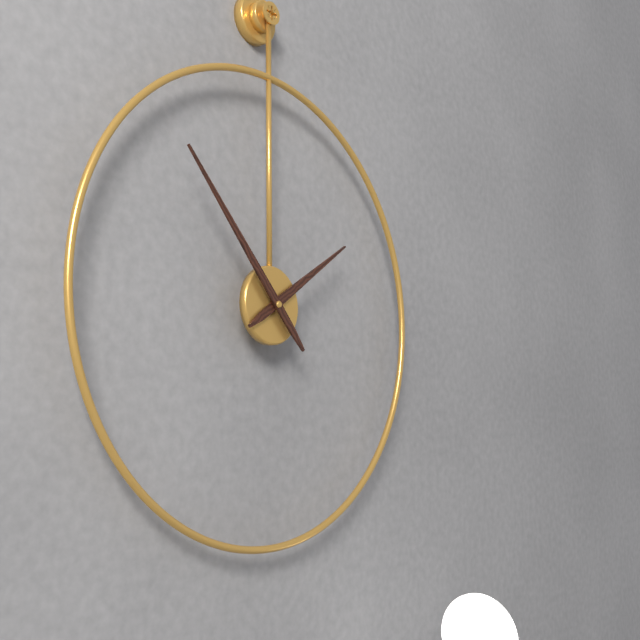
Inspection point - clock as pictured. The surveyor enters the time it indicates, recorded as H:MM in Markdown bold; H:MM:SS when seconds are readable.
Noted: **1:53**
